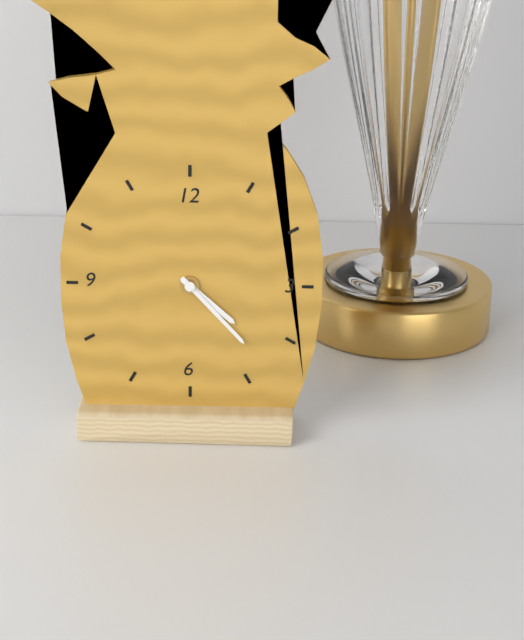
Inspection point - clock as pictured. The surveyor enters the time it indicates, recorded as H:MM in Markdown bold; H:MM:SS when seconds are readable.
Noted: **4:23**
